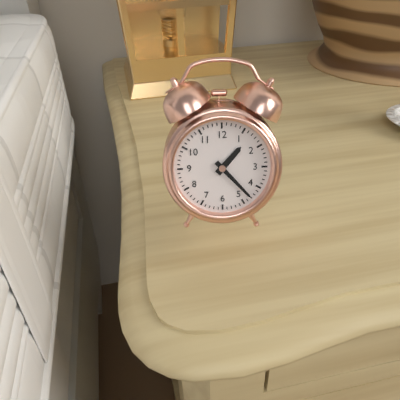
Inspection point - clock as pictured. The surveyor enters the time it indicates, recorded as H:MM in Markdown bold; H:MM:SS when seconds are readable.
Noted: **1:23**
